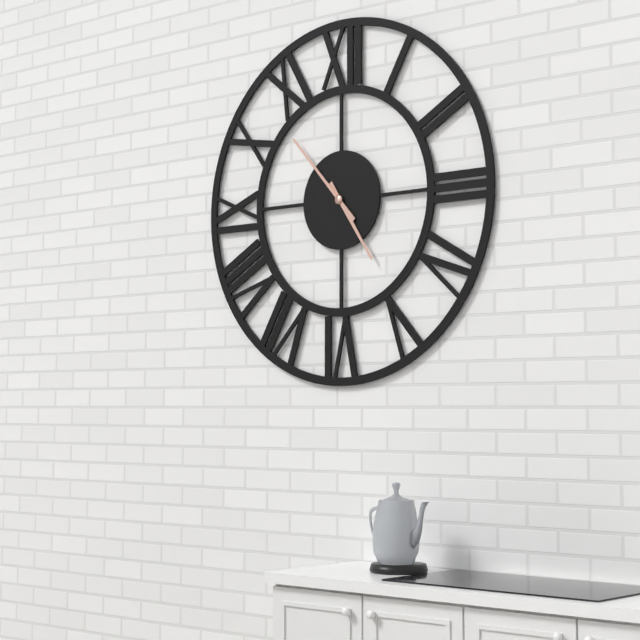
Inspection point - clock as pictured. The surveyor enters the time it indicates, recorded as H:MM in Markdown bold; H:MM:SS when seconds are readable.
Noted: **4:53**
